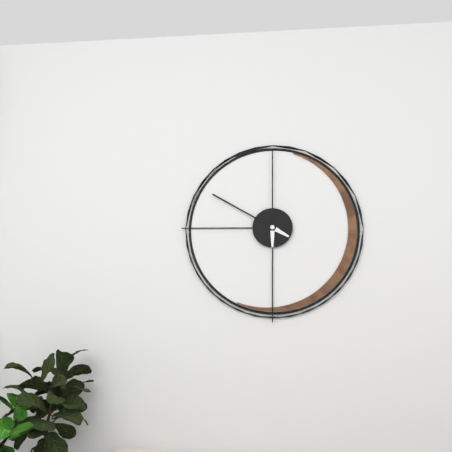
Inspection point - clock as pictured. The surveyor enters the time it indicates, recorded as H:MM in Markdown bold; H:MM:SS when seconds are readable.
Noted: **10:00**
